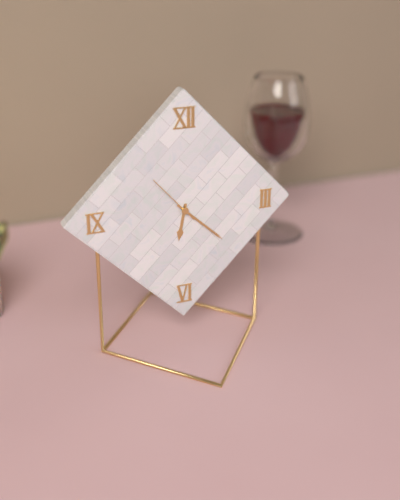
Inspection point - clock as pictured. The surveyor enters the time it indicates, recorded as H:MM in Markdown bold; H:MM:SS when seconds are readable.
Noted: **6:22:53**
